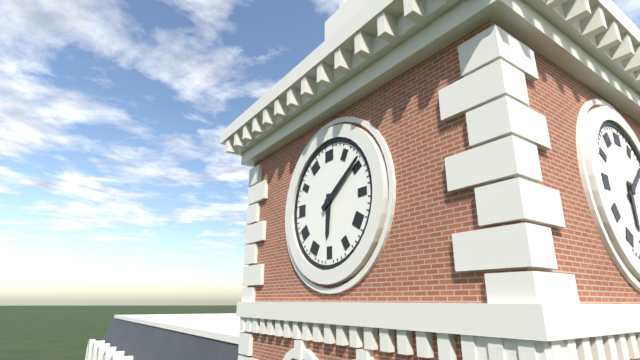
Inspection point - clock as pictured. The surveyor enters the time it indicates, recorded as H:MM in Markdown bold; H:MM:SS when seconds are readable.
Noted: **6:09**
